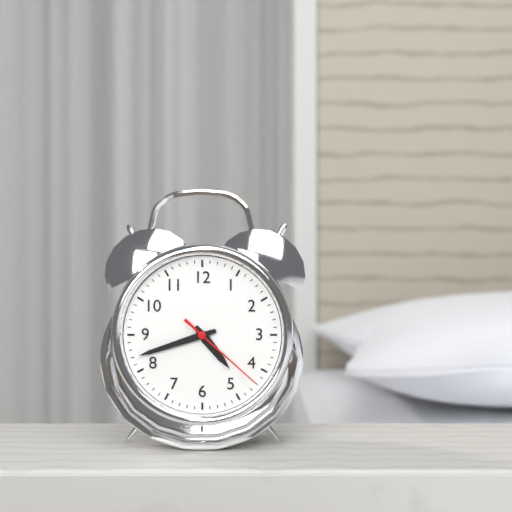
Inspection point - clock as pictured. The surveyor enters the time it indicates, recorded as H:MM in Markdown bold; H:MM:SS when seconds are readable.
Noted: **4:42:22**
